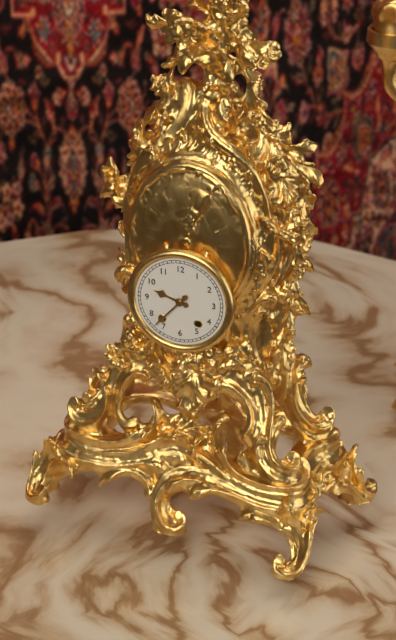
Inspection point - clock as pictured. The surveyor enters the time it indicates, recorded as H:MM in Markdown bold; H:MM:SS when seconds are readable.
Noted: **9:37**
